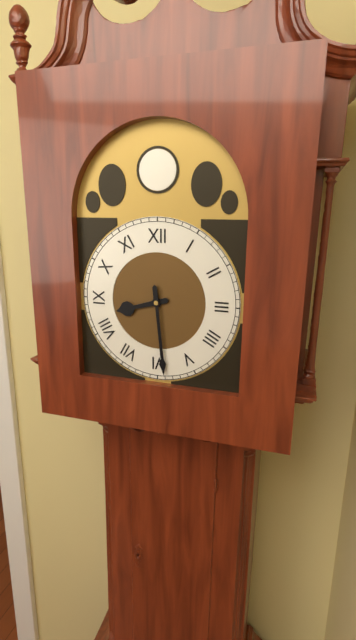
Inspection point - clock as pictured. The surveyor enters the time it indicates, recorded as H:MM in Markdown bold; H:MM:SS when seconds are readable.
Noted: **8:29**
